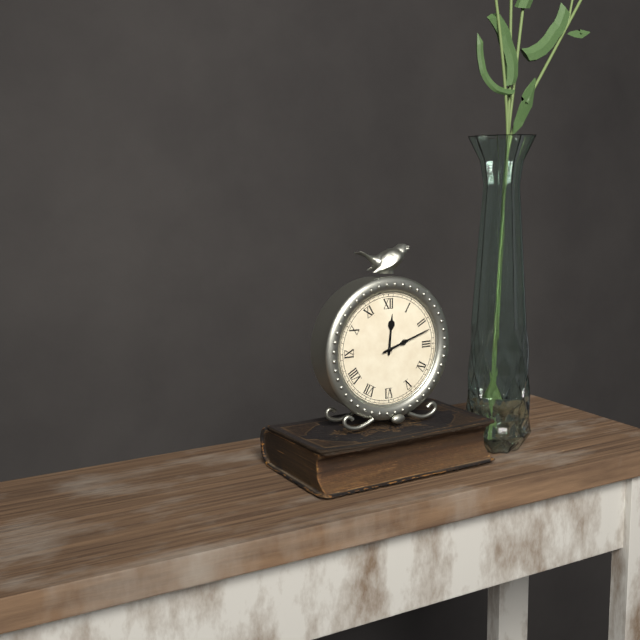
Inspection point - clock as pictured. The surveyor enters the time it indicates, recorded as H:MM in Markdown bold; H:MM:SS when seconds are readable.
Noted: **12:12**
